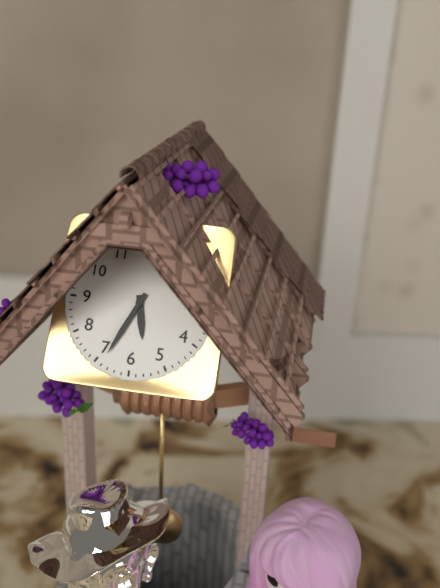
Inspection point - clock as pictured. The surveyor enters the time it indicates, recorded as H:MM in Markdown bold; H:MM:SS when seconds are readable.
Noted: **5:34**
